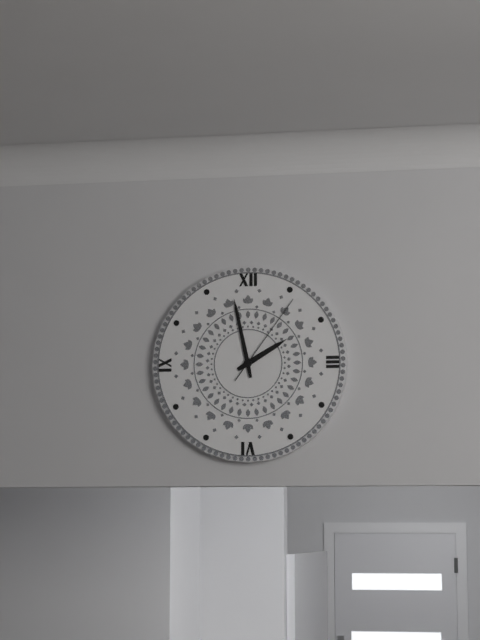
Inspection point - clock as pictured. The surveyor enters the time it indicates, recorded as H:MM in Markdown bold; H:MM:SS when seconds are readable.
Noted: **1:58:06**
